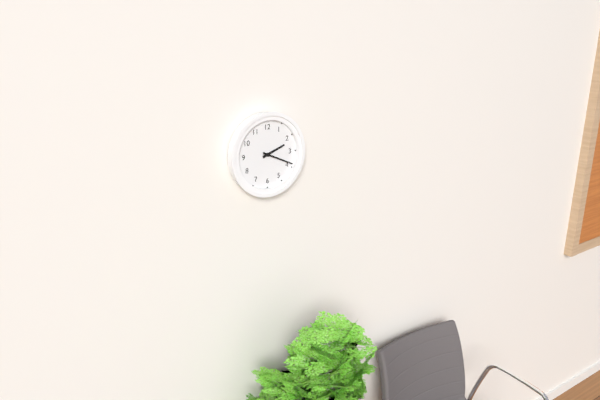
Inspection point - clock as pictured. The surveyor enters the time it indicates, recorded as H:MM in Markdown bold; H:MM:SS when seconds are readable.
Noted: **2:19**
